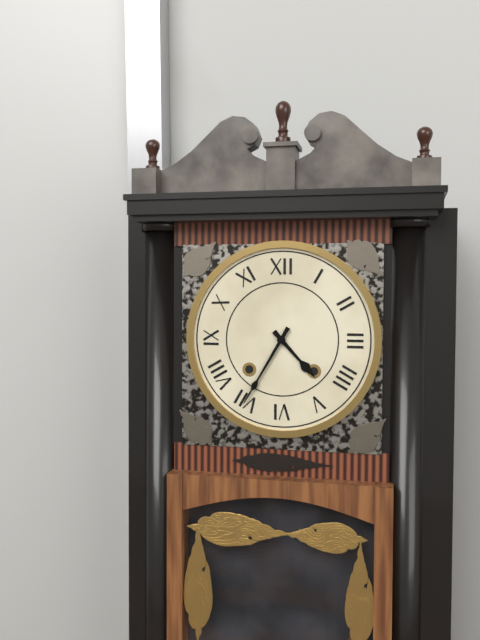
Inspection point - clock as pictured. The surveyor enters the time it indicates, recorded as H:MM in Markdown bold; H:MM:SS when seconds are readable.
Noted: **4:35**
